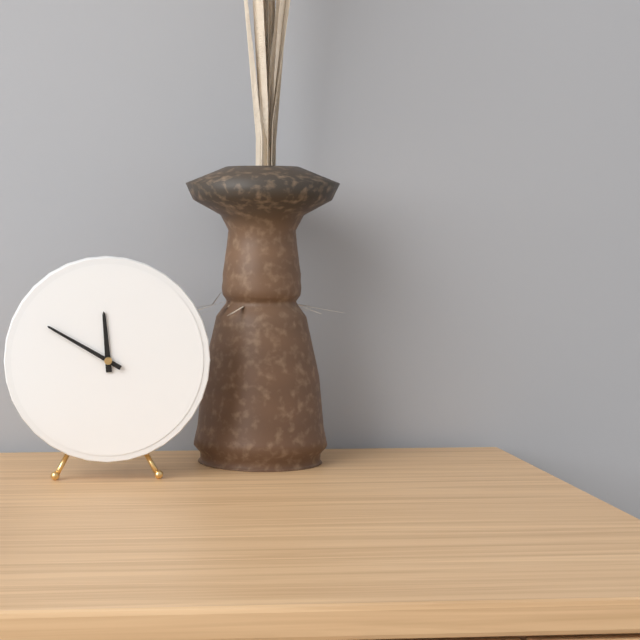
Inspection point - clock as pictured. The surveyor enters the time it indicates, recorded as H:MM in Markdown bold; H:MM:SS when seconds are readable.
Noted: **11:50**
